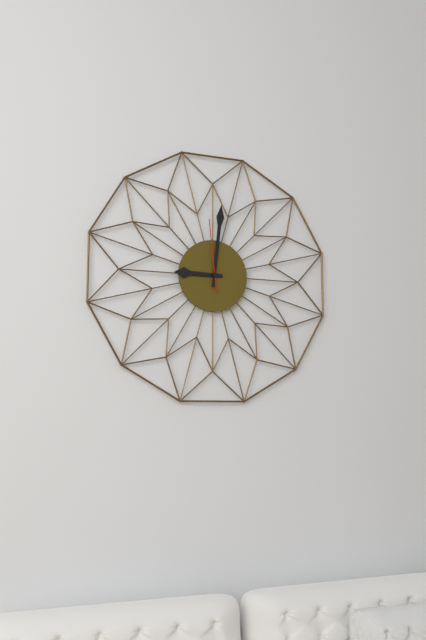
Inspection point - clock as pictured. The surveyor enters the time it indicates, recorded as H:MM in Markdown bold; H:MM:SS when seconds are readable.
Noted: **9:01:59**
